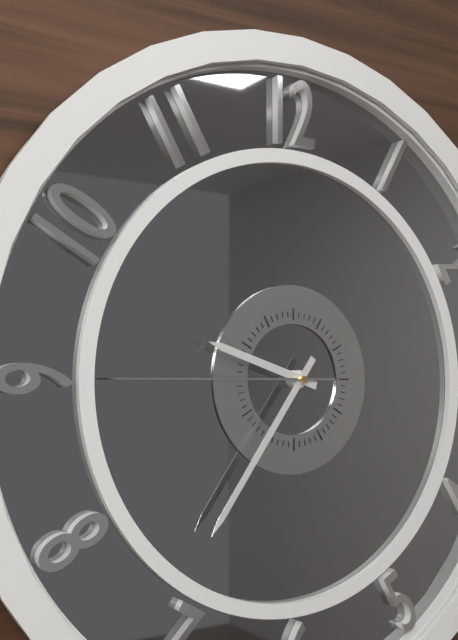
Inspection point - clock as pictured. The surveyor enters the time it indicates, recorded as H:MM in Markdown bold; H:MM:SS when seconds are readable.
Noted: **9:36:45**
